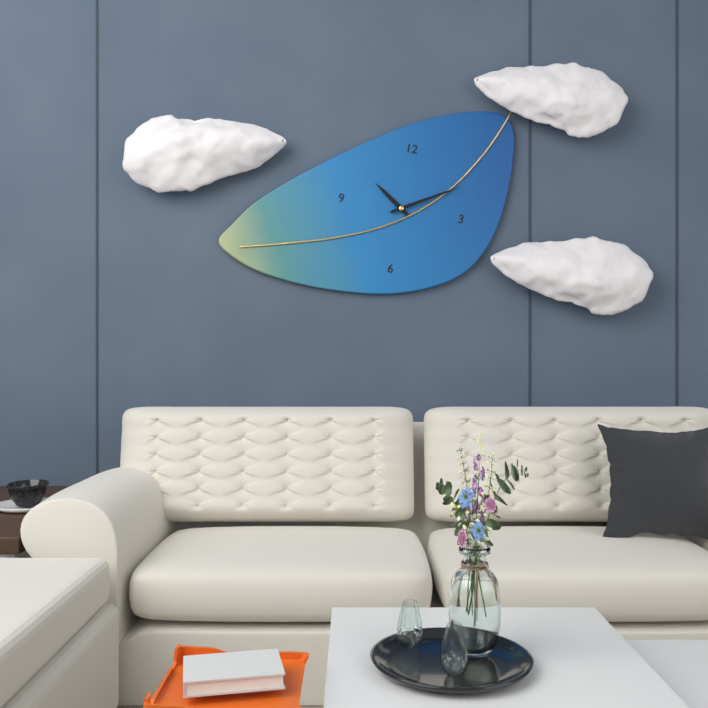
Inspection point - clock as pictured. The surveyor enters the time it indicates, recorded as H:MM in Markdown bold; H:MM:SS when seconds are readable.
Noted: **10:10**
